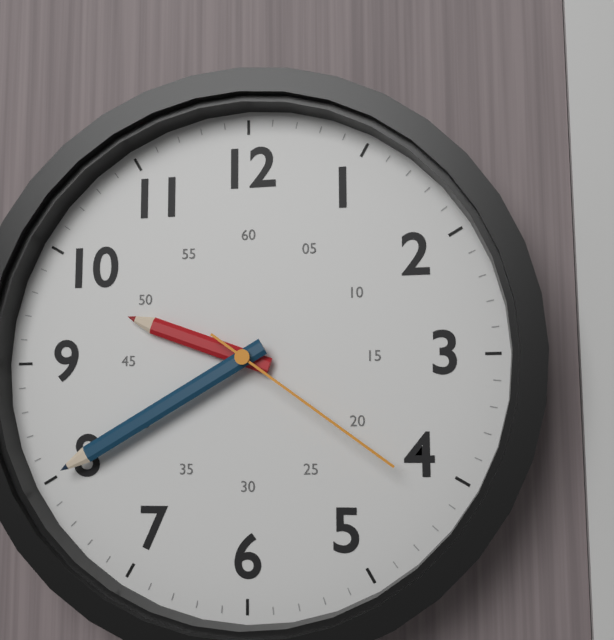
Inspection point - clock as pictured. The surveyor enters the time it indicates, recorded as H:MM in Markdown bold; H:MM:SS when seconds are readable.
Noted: **9:40:21**
